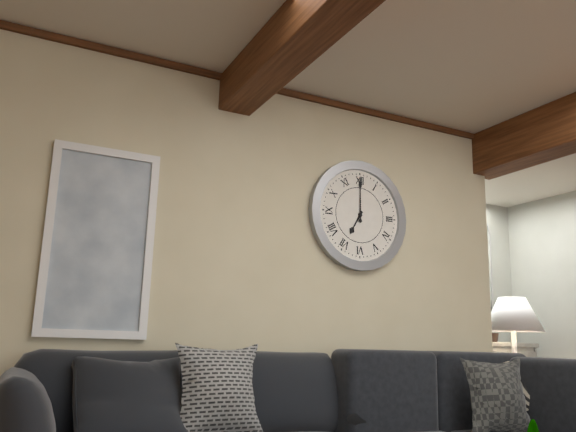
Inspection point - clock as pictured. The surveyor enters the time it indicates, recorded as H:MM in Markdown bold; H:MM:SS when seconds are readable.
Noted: **7:00**
